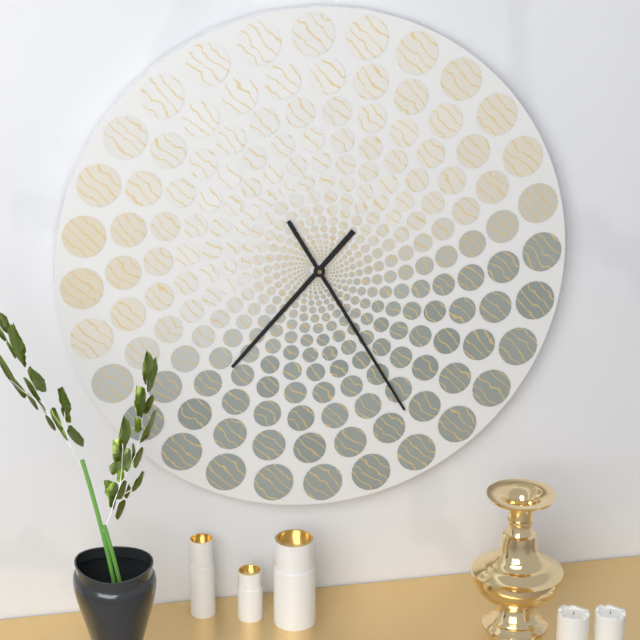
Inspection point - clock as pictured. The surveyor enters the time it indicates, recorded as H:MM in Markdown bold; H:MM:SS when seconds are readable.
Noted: **7:25**
